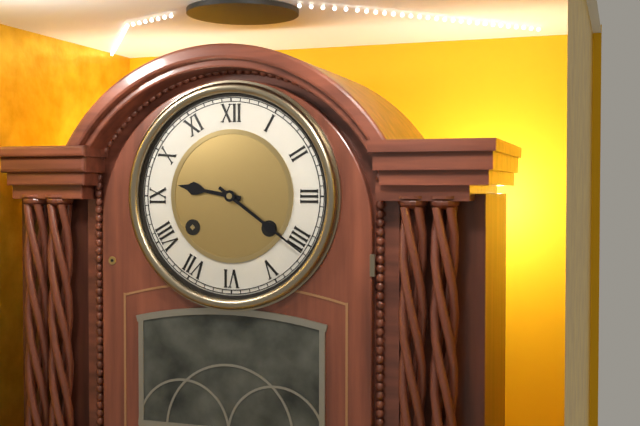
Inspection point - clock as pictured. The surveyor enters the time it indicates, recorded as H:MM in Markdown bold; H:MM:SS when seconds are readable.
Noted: **9:21**
